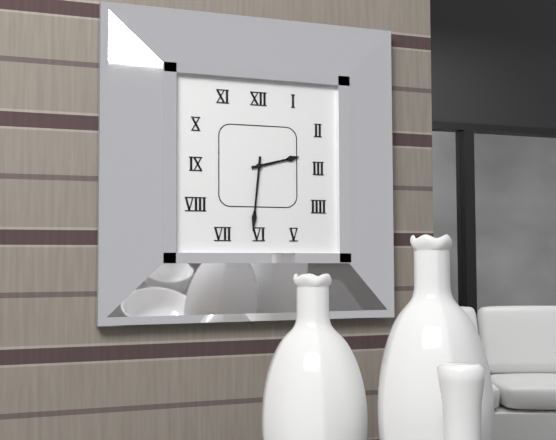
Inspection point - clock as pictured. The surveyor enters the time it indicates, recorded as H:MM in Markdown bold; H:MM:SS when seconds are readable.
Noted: **2:31**
